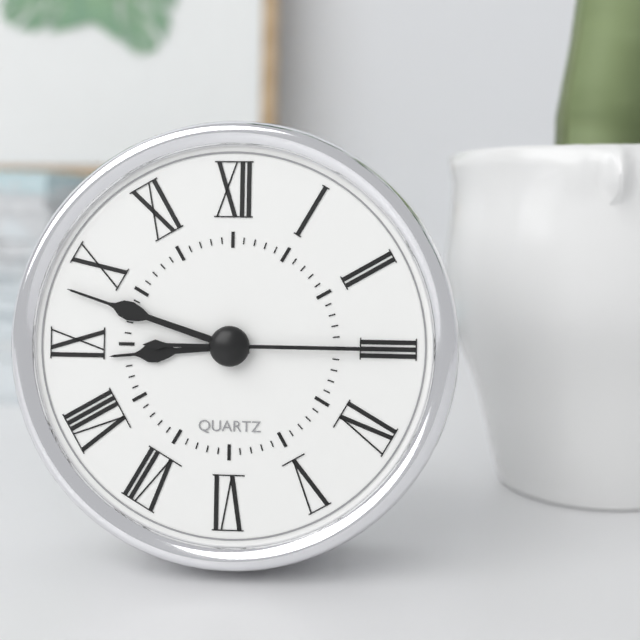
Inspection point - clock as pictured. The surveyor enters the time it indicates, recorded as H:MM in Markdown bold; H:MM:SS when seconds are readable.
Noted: **8:48:15**
